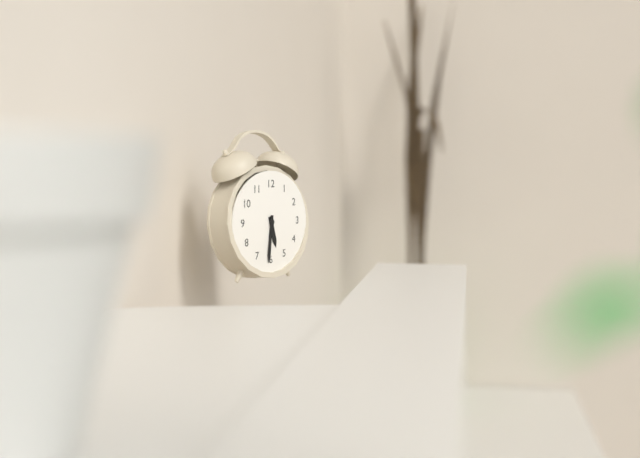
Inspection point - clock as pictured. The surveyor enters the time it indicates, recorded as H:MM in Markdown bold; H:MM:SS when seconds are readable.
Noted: **5:31**
